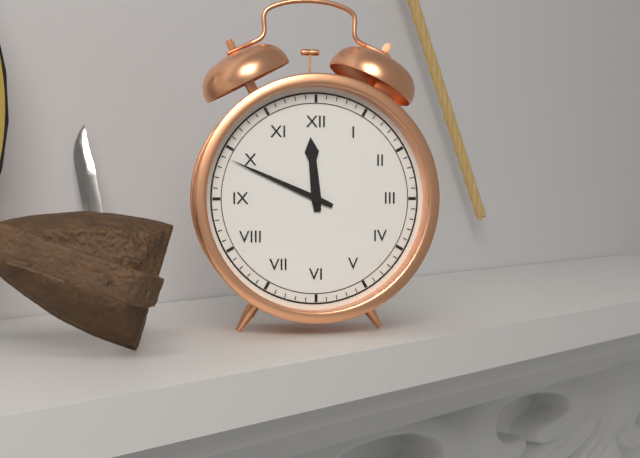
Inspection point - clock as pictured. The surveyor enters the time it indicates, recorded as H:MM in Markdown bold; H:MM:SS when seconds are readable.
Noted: **11:49**
